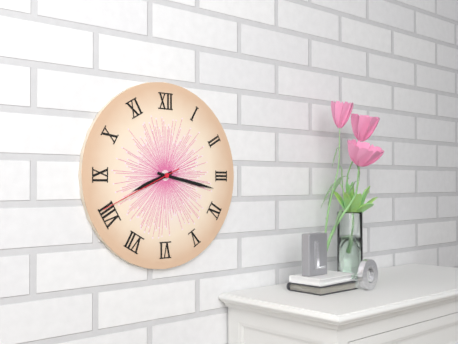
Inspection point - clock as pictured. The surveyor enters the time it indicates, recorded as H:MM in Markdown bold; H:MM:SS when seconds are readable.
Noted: **8:17:41**
